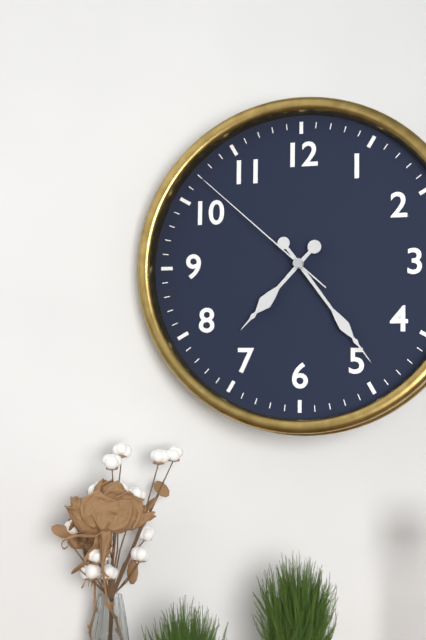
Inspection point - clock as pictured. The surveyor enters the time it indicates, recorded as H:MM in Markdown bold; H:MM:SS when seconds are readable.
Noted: **7:24:52**
